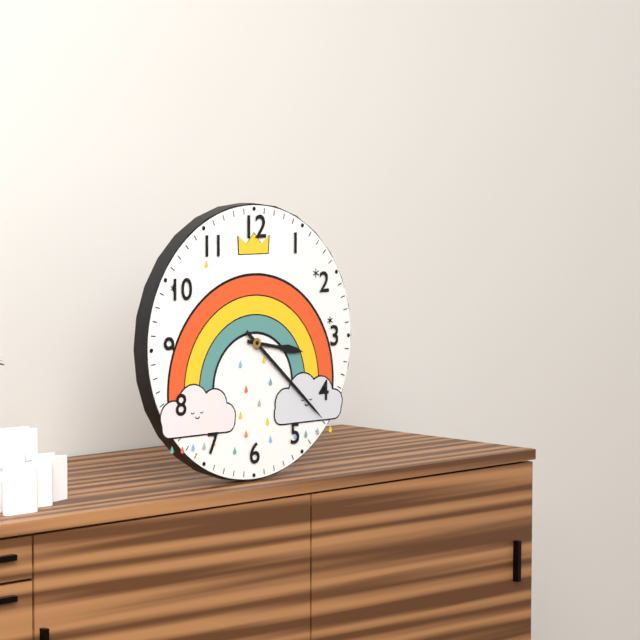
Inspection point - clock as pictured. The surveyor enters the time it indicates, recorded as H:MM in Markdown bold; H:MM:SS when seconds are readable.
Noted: **3:22**
